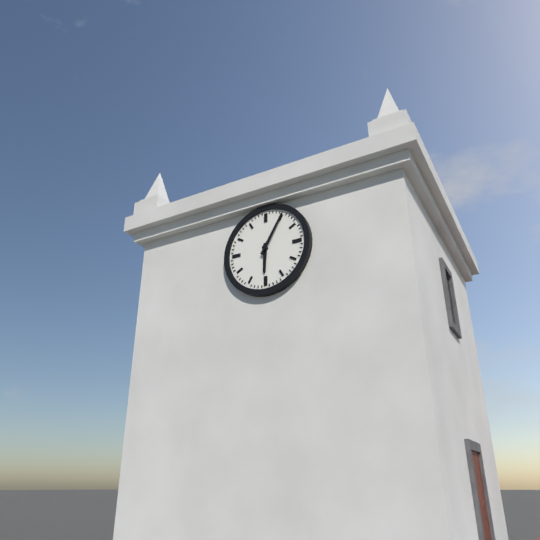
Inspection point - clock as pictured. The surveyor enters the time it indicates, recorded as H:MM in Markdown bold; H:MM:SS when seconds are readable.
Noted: **6:05**
